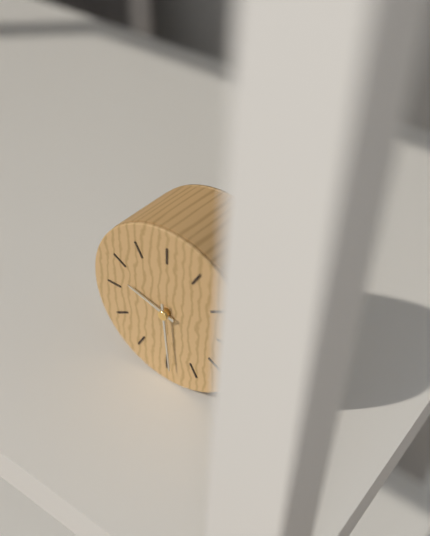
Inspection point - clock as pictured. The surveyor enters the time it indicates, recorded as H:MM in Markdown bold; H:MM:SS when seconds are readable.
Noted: **9:29**
